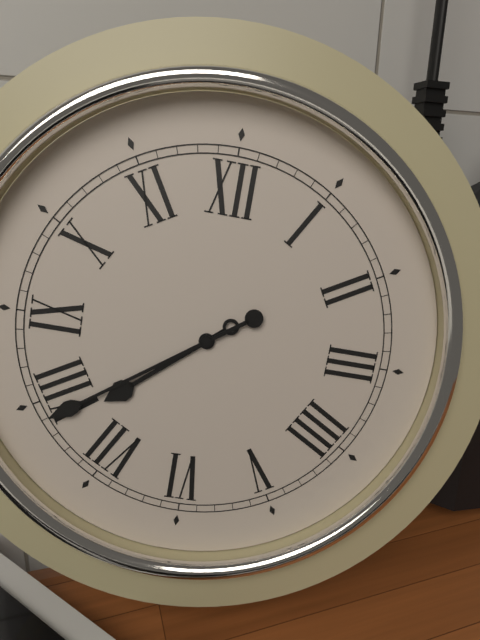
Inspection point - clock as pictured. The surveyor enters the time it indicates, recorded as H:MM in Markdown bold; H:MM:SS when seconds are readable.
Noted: **7:39**
